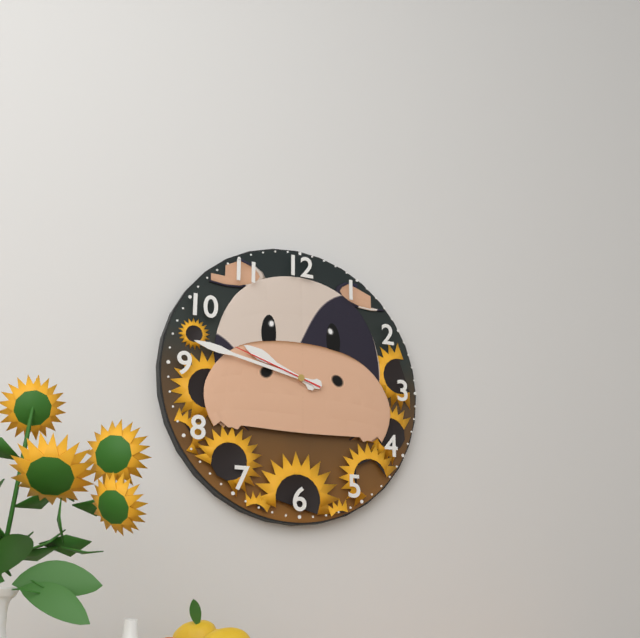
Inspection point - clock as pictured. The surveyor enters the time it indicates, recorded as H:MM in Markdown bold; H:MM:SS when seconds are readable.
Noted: **9:47:48**
